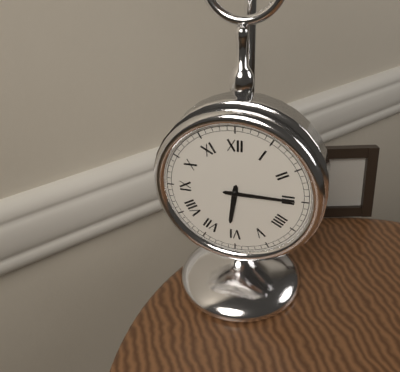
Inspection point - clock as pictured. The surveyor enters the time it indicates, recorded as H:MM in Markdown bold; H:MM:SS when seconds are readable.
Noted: **6:15**
